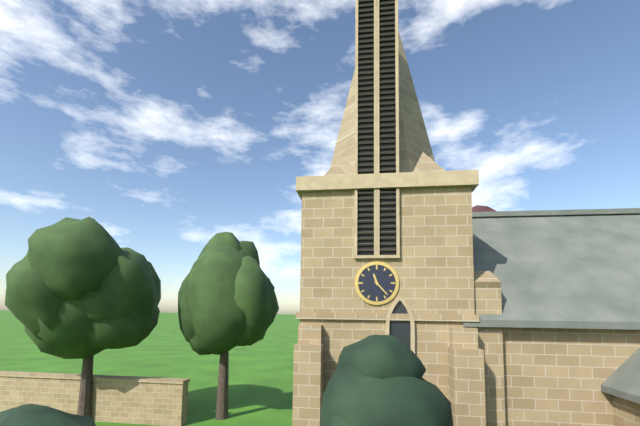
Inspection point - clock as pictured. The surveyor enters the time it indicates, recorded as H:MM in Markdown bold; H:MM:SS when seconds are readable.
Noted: **11:23**
